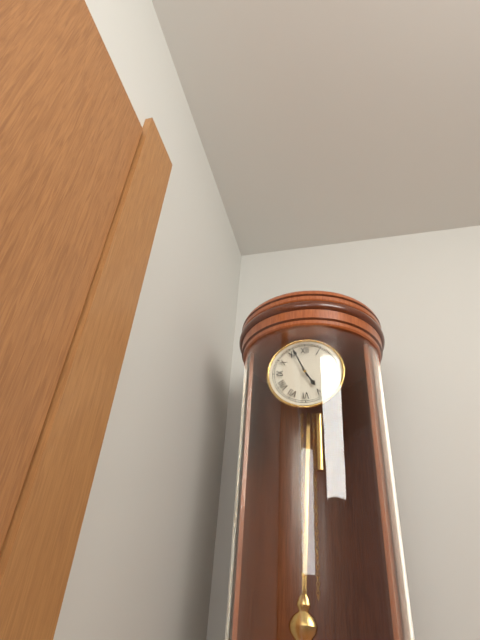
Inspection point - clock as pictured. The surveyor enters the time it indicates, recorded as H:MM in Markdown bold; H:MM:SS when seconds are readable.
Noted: **4:56**
